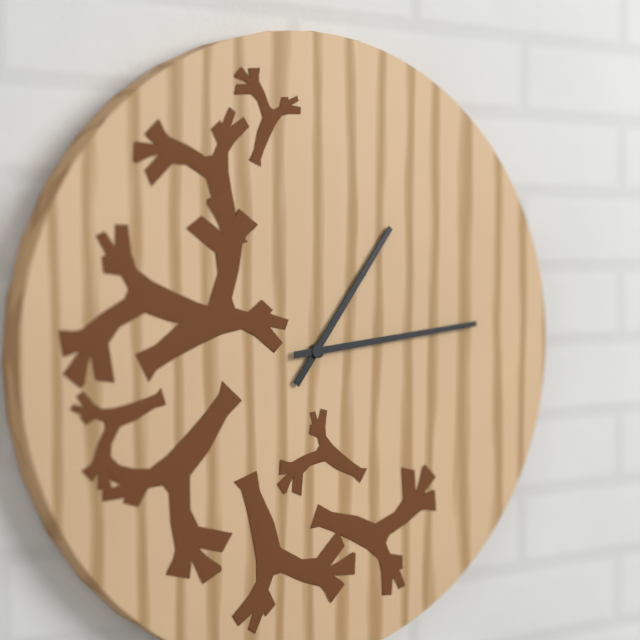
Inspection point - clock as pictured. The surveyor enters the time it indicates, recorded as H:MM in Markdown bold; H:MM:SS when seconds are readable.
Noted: **1:14**
